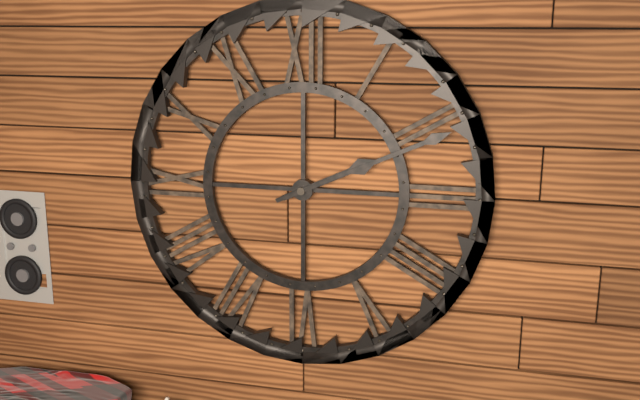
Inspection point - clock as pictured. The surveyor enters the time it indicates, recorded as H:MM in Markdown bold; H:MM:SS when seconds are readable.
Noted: **2:11**
